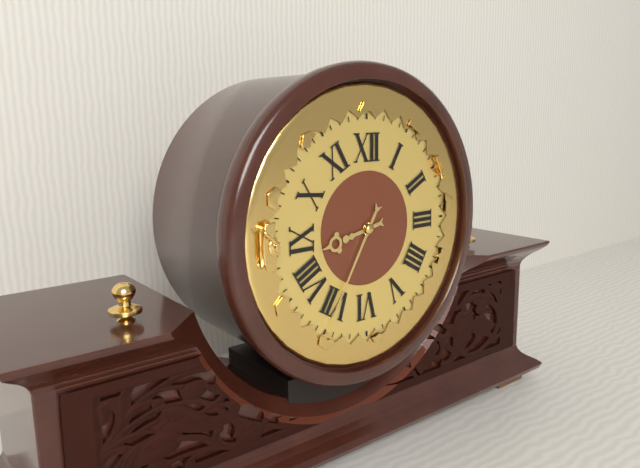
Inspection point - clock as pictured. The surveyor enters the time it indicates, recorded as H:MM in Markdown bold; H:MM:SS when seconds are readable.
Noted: **8:35**
